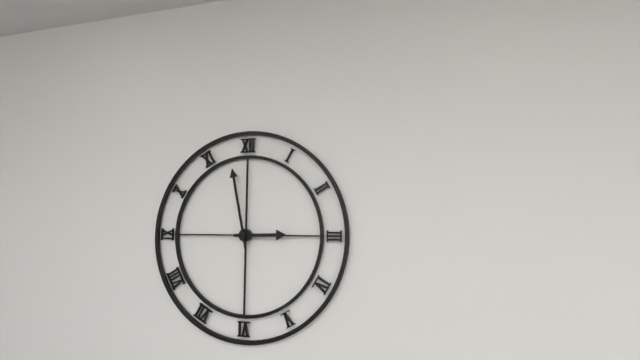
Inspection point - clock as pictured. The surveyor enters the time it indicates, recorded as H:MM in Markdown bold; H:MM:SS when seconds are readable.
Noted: **2:58**
